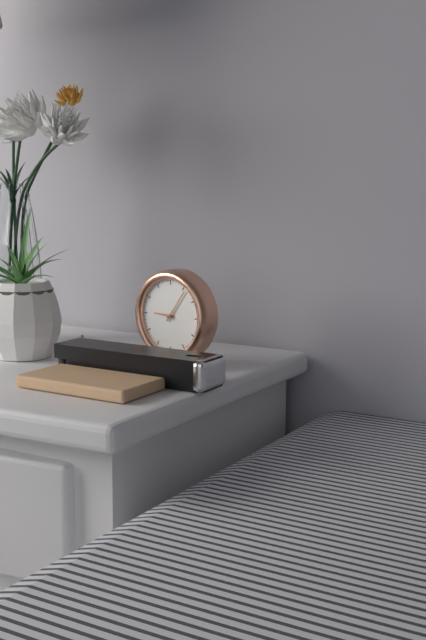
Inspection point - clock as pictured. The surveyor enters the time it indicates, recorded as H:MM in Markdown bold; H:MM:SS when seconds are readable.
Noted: **9:06**
